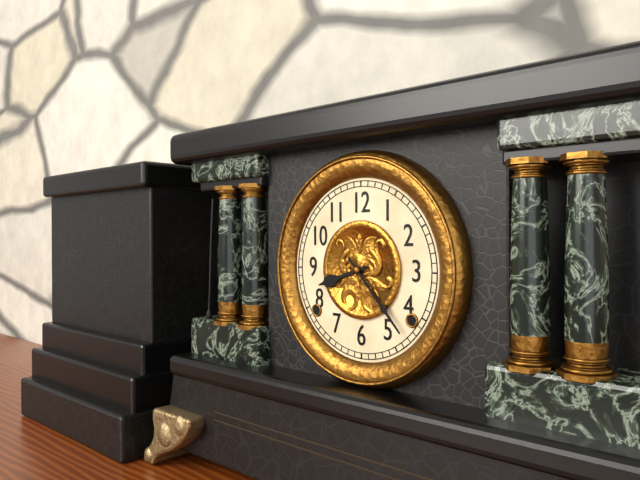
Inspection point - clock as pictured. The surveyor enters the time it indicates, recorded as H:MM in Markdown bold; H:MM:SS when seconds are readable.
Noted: **8:23**
